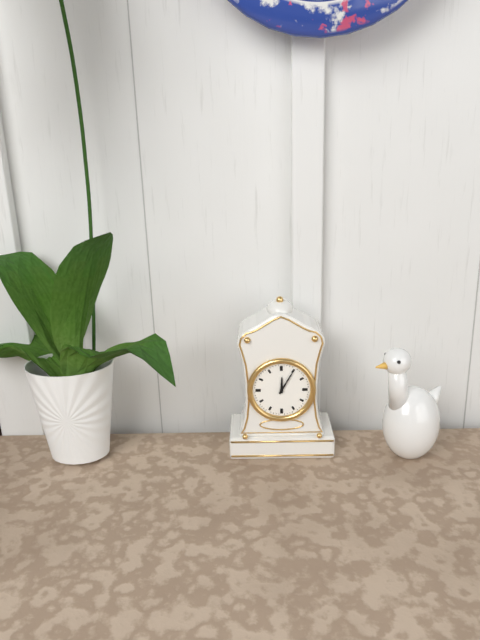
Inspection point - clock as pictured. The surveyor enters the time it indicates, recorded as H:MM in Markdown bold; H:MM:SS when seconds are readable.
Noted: **12:05**
